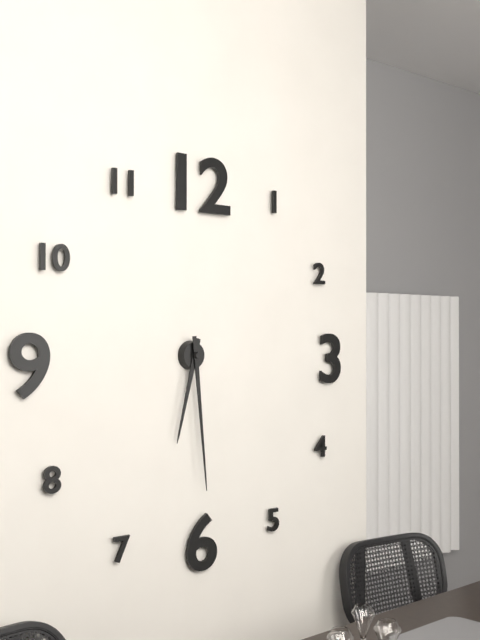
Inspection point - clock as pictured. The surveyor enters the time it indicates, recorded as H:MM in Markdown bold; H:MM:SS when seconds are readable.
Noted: **6:29**
